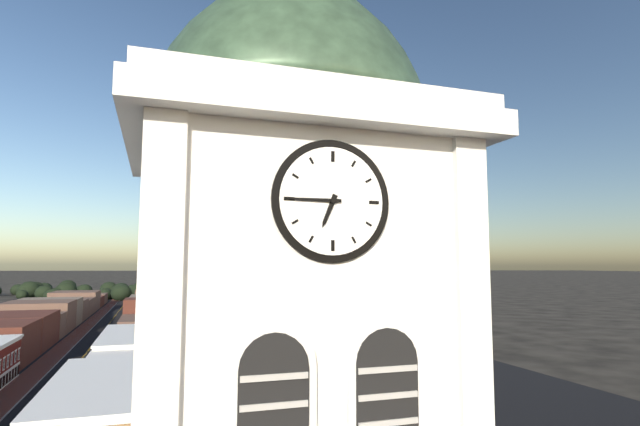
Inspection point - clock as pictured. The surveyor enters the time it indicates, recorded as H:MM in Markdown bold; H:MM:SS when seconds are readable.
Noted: **6:45**
